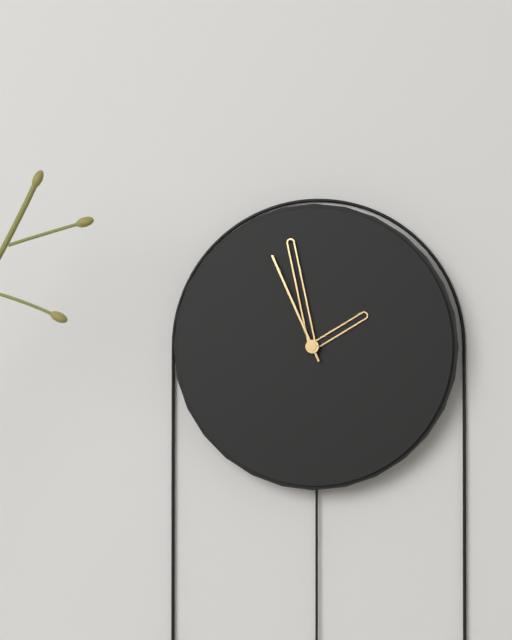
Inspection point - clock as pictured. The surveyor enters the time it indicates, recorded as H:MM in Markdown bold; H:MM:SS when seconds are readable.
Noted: **1:58:56**
